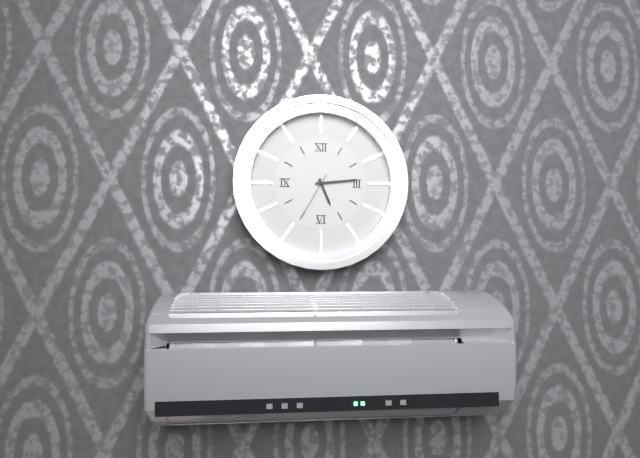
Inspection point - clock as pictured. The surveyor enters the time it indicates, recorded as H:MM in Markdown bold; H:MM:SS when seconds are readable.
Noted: **5:14:35**
